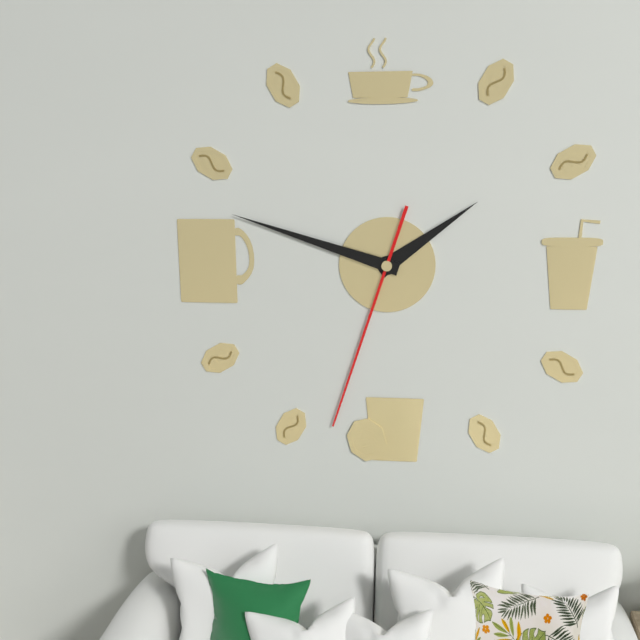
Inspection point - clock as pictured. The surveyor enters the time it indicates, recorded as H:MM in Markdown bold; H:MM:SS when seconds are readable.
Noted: **1:48:33**
